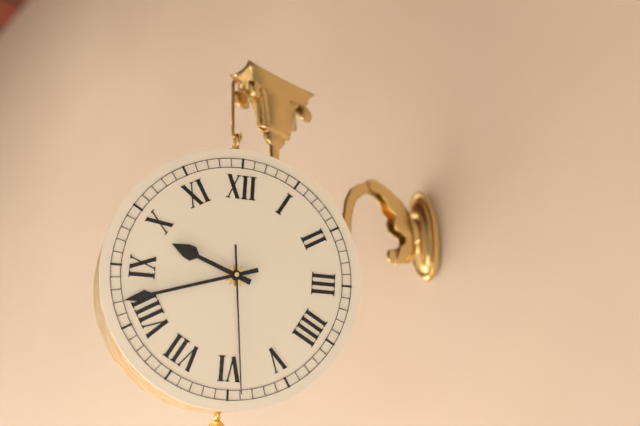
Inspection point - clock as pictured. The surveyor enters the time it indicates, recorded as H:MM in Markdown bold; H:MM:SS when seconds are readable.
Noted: **9:42:29**
